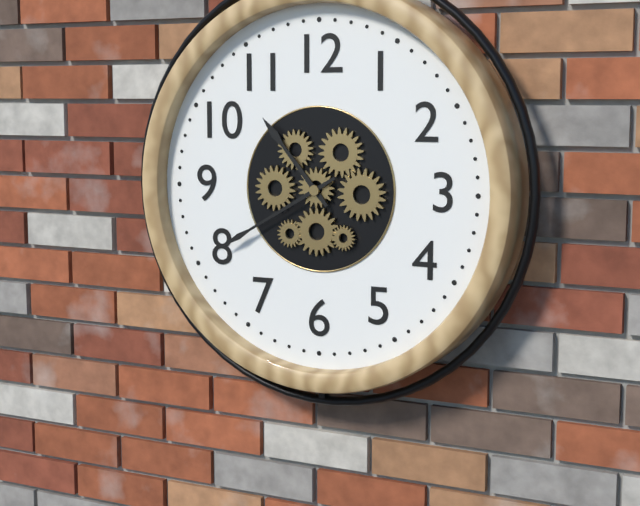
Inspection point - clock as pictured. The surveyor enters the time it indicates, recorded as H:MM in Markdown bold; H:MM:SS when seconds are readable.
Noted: **10:40**
